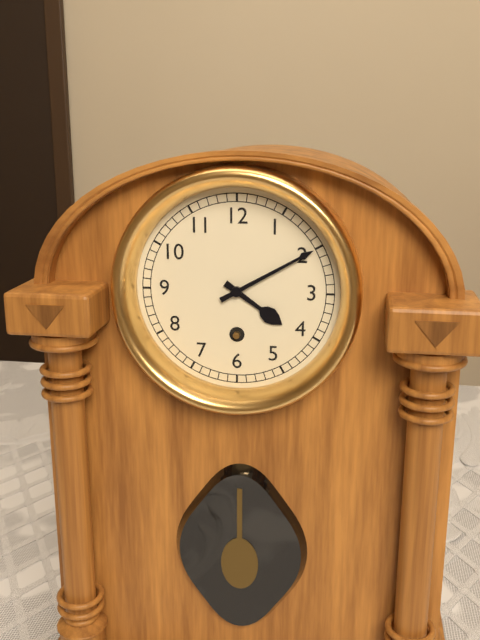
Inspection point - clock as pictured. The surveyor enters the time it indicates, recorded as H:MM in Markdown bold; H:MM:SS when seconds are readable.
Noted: **4:10**
